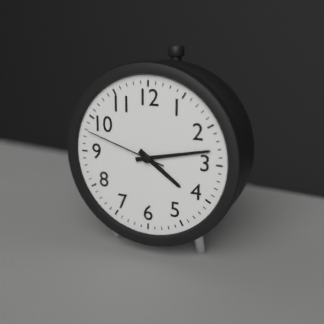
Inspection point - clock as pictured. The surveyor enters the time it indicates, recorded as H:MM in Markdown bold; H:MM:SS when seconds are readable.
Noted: **4:13:48**
